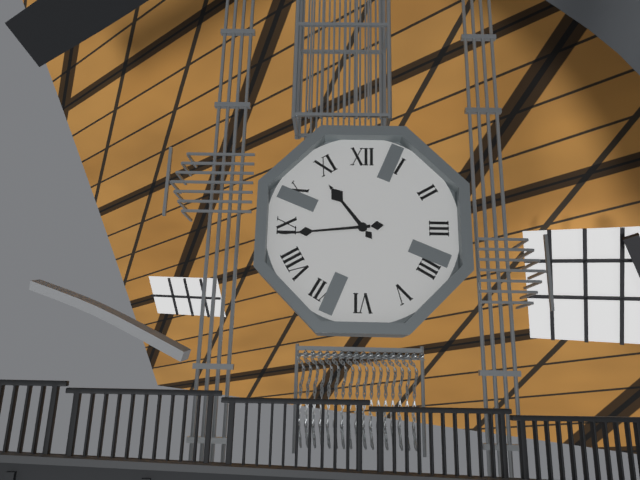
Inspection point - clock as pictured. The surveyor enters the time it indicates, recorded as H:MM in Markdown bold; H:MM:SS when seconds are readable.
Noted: **10:44**
